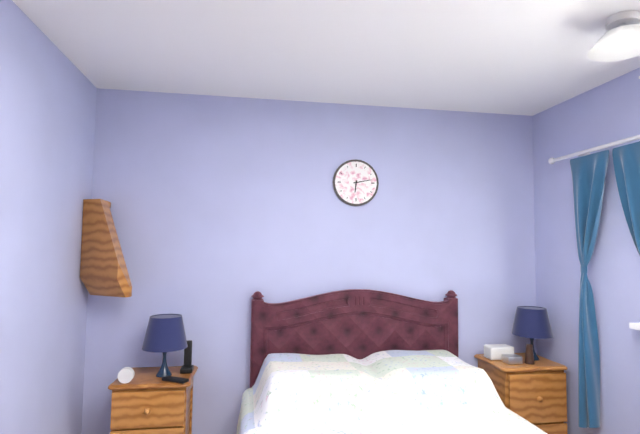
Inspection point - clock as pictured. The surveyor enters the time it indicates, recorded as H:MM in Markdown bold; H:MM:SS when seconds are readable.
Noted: **6:13**
